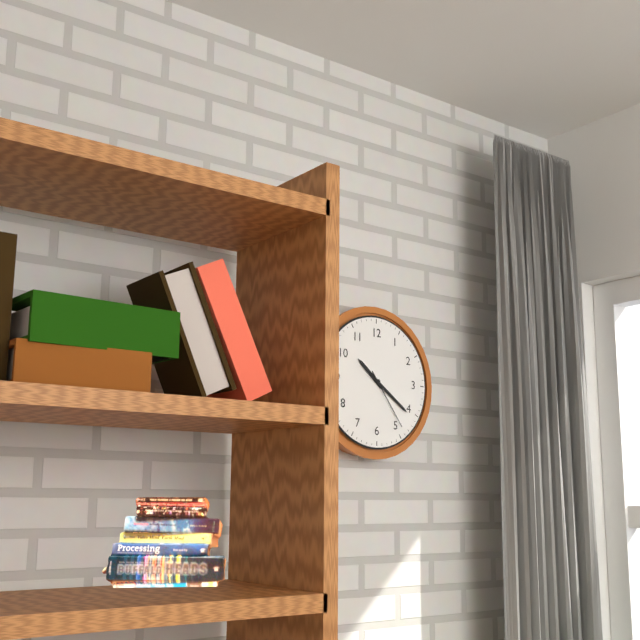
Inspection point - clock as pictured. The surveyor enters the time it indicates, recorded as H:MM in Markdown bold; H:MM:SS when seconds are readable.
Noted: **10:21:24**
